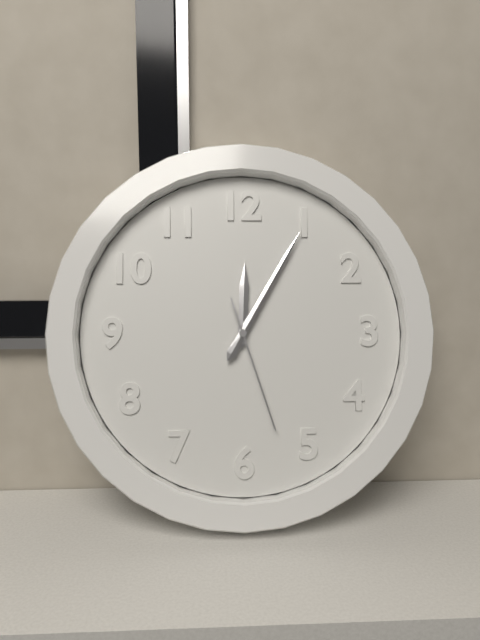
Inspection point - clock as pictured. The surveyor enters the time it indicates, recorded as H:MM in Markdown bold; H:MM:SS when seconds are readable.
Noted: **12:05:27**
